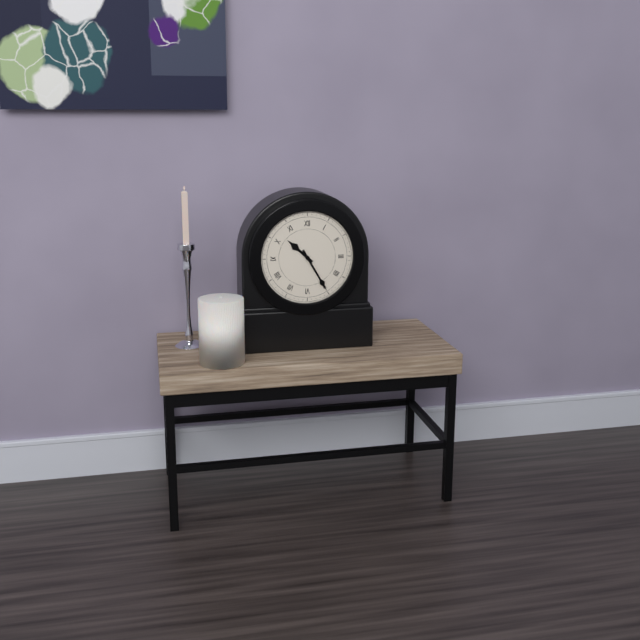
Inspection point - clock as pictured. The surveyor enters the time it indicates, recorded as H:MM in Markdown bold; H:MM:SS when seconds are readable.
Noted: **10:25**
